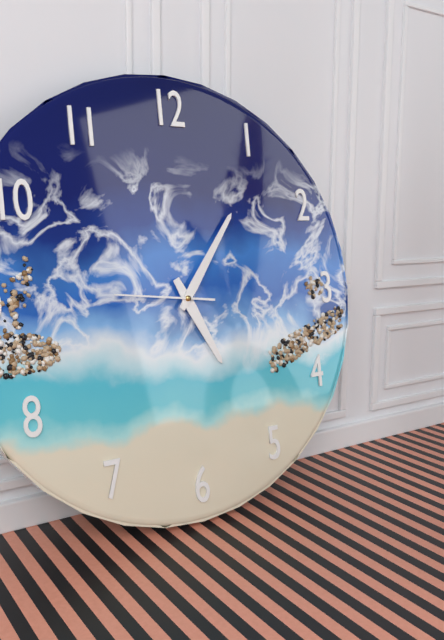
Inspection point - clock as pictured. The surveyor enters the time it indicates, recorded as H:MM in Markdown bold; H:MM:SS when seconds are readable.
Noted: **5:06:46**
